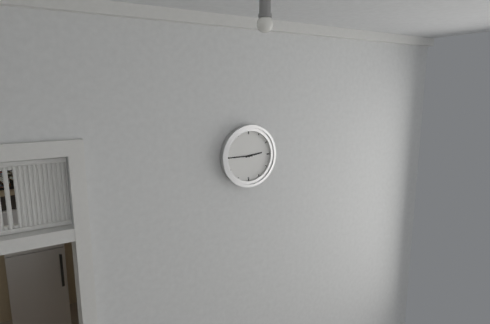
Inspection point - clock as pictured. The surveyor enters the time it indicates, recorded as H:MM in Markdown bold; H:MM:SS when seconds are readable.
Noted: **2:45**
